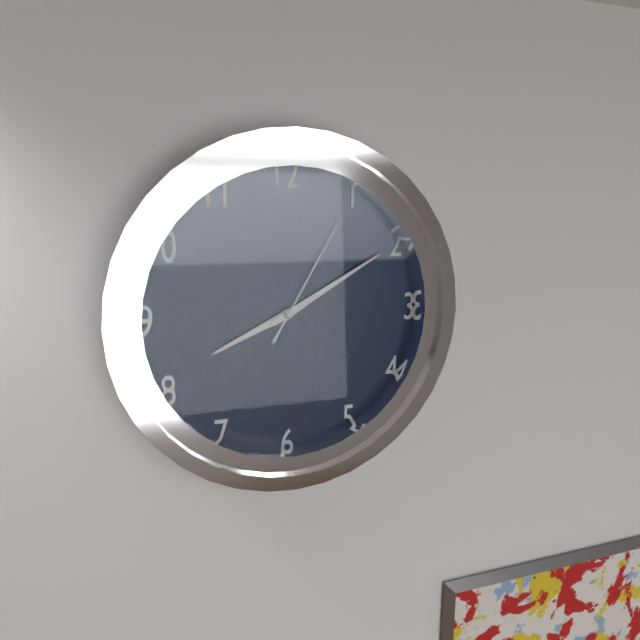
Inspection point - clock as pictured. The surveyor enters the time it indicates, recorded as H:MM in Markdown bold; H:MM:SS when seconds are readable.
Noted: **8:10:05**
